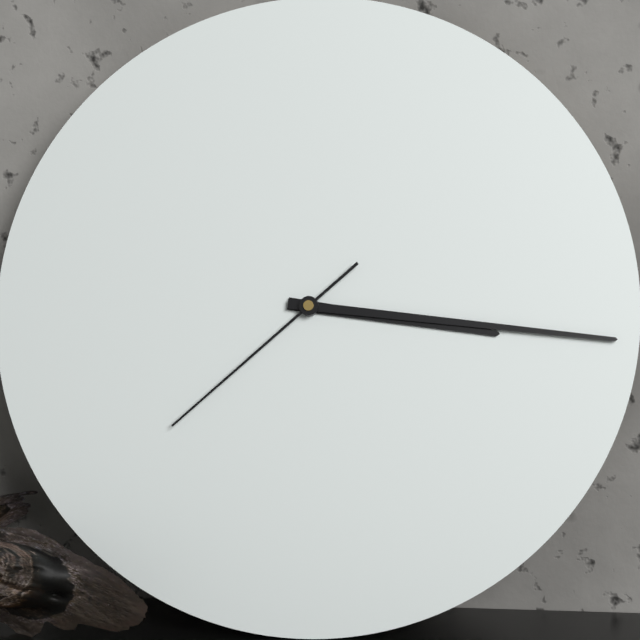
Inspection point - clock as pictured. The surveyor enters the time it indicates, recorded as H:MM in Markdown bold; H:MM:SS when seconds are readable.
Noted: **3:16:38**
